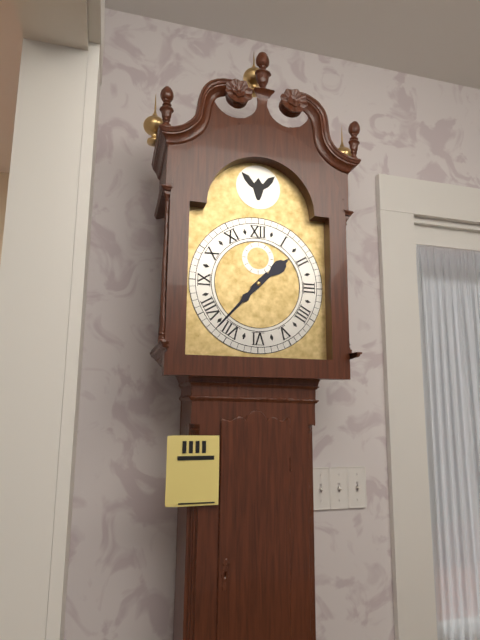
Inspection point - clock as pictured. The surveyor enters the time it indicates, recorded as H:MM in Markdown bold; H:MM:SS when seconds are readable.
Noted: **1:37**
